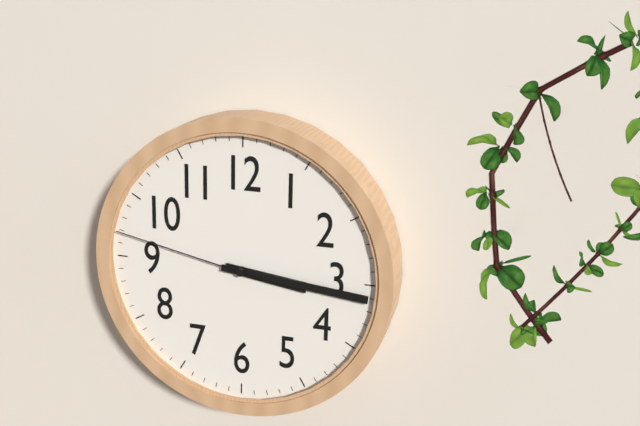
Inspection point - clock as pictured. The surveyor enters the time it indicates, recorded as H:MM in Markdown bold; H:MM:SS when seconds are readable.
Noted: **3:16:47**
